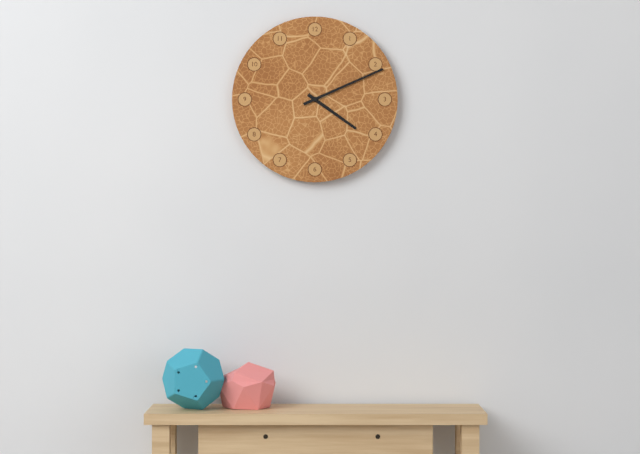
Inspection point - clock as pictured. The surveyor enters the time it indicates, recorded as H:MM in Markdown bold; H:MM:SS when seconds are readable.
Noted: **4:11**
